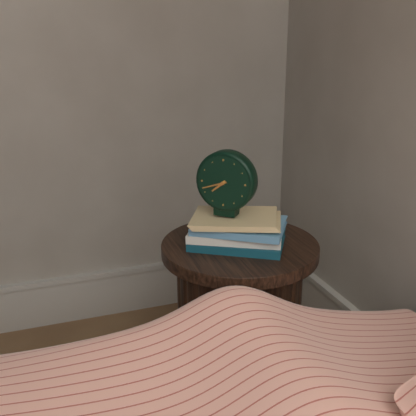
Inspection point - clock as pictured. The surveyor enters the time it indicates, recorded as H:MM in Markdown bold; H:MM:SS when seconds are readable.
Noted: **7:42**
